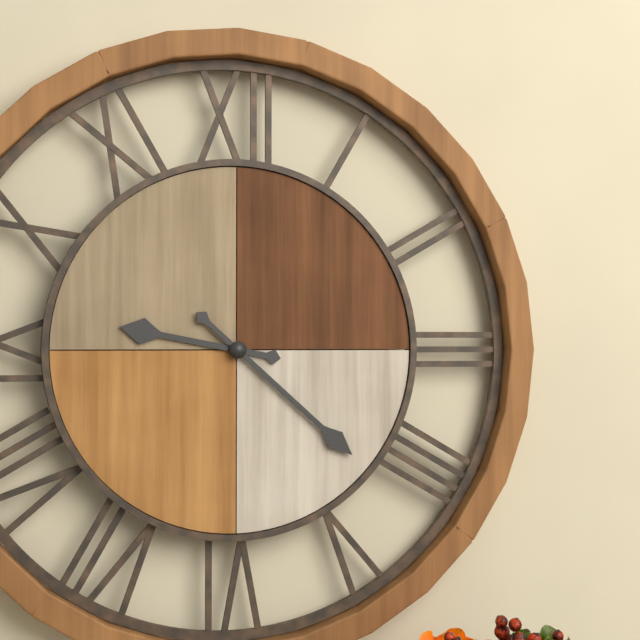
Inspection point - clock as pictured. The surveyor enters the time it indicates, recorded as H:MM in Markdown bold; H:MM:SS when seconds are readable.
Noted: **9:22**
